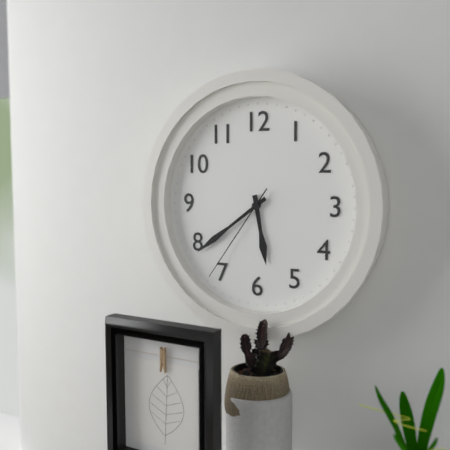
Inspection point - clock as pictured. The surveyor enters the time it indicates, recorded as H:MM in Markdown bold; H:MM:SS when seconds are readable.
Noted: **5:39:36**
